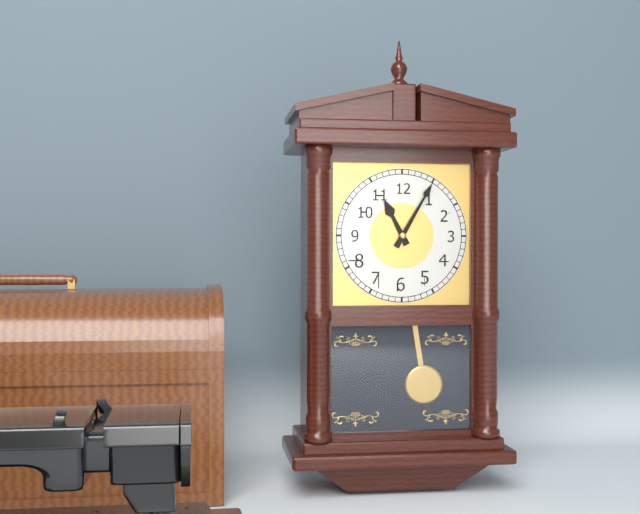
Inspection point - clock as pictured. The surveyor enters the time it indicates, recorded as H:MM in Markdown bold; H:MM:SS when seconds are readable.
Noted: **11:05**
